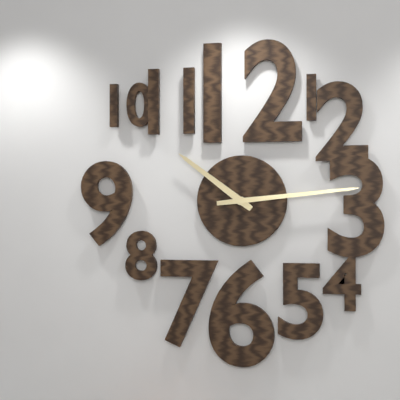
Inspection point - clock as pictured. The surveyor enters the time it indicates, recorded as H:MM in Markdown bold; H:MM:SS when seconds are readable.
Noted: **10:14**
